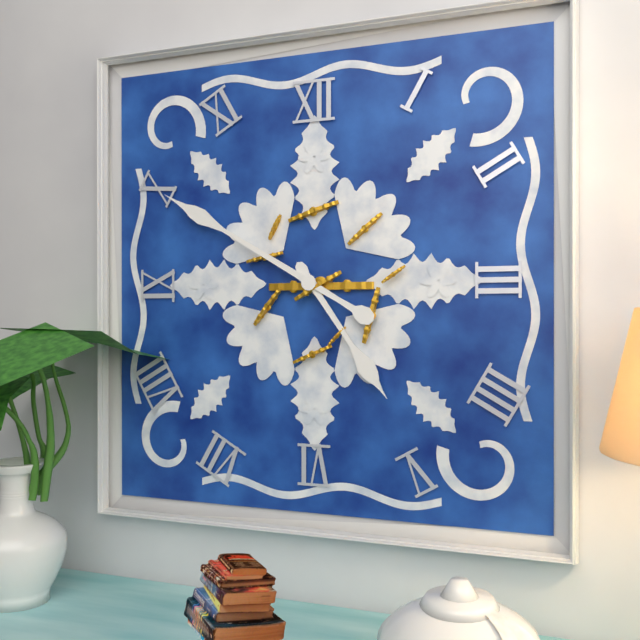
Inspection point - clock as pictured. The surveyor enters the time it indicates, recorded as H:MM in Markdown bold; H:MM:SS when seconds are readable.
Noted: **4:50**
